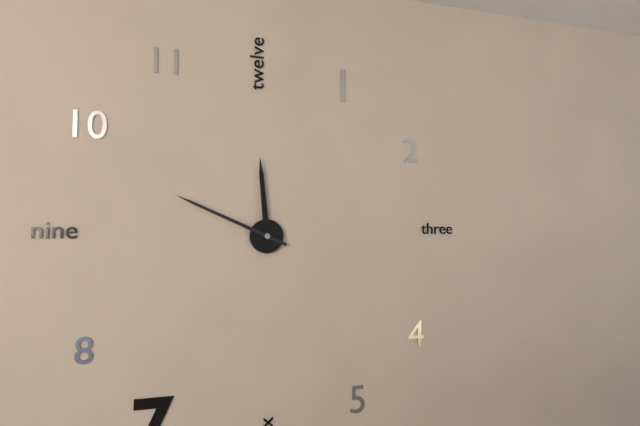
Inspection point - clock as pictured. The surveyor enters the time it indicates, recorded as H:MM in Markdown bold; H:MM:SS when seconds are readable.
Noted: **11:49**
